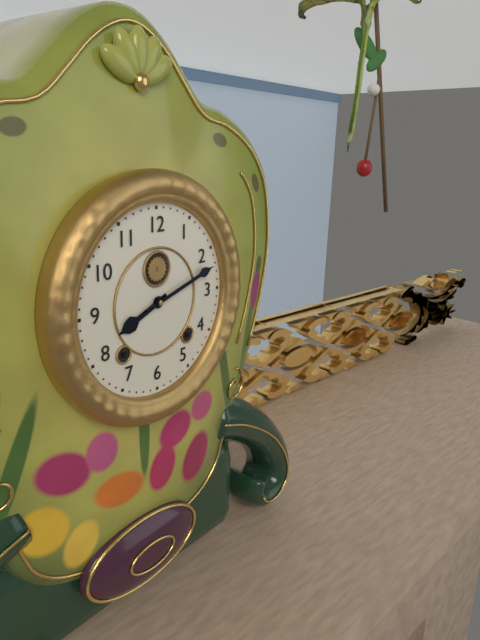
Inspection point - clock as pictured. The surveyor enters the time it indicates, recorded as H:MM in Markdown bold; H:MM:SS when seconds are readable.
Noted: **8:12**
